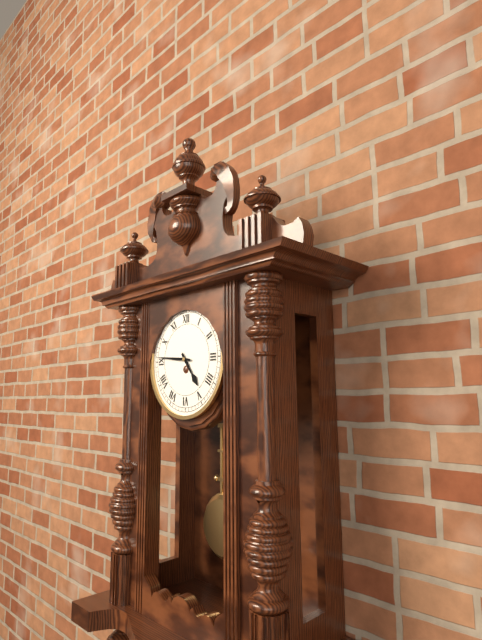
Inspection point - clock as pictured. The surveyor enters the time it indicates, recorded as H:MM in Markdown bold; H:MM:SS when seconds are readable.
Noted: **4:46**
